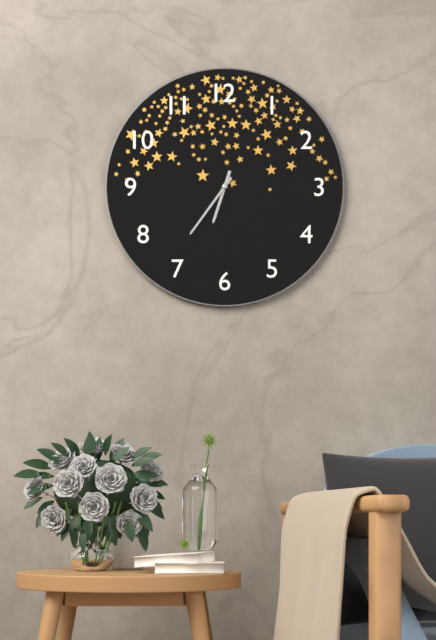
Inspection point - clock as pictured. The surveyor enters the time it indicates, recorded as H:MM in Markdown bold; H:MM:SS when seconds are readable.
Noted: **6:36**
